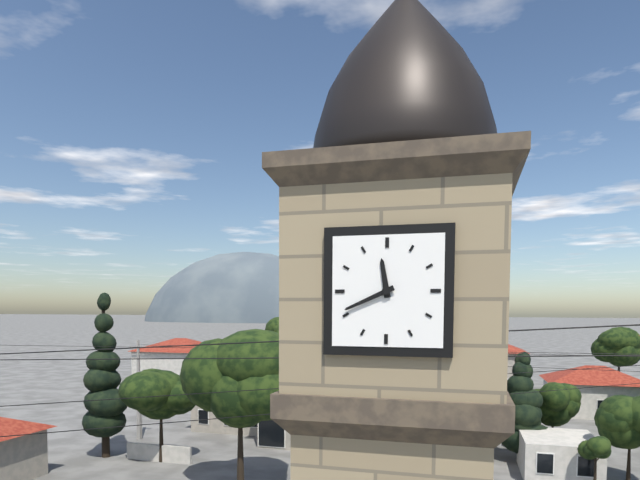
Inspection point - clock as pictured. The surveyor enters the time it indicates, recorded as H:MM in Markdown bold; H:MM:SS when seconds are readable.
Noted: **11:41**
